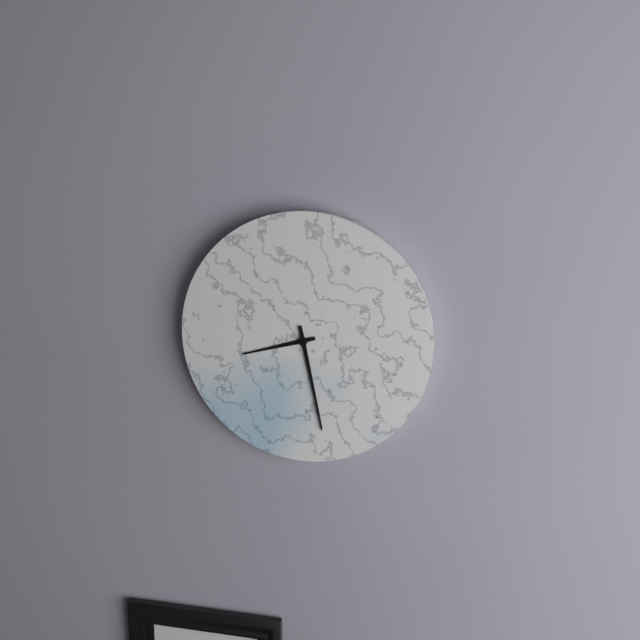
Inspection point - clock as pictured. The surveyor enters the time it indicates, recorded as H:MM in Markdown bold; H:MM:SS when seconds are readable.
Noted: **8:28**
